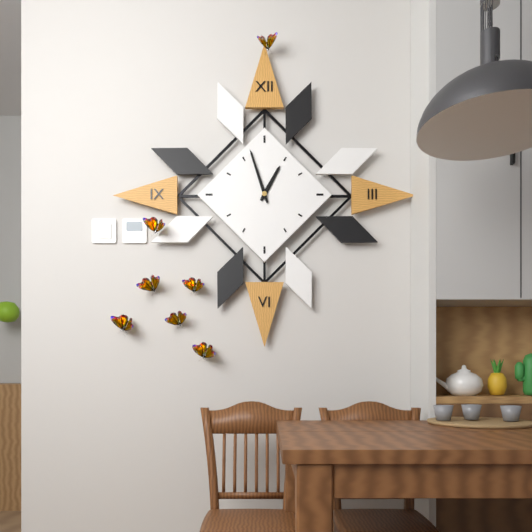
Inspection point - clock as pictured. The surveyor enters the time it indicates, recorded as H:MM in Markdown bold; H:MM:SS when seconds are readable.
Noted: **12:57**
